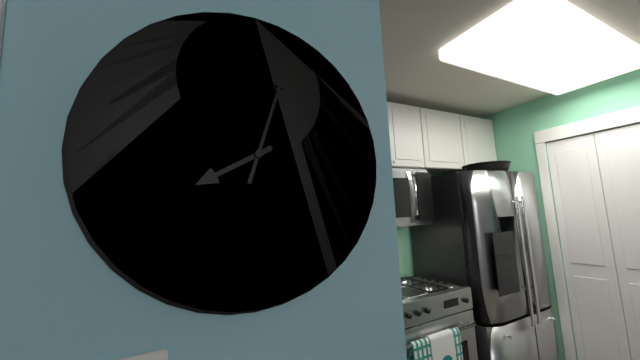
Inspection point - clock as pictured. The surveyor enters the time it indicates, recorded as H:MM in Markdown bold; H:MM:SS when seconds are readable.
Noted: **8:03**
